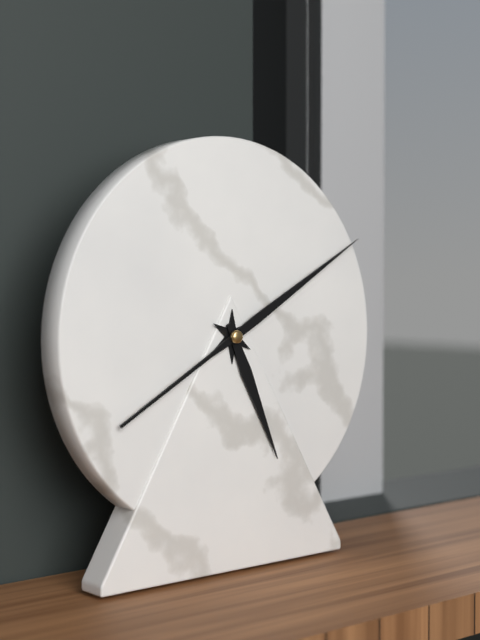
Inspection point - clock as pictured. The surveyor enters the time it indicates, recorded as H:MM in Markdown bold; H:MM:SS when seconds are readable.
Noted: **5:10**
